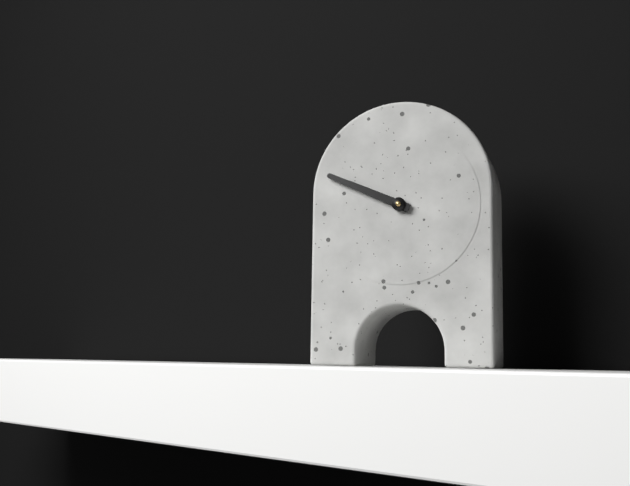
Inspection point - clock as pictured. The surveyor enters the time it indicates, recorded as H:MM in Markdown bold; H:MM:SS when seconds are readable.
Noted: **9:49**
